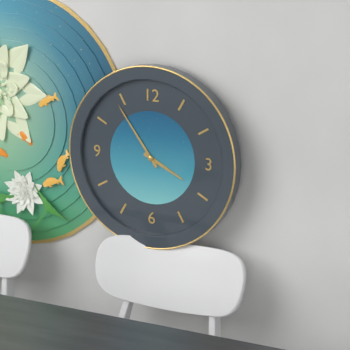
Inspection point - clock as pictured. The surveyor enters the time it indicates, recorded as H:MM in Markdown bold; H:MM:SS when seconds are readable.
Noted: **3:54**
